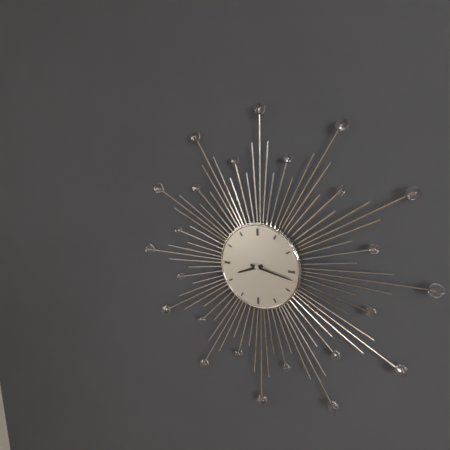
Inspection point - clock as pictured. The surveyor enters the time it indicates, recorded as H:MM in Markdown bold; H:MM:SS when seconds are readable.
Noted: **8:17**
